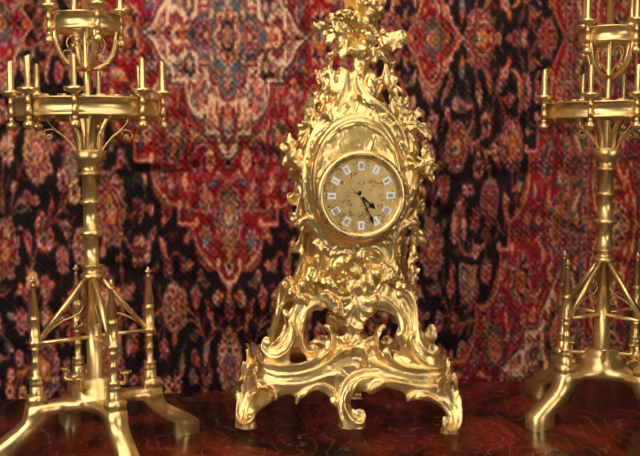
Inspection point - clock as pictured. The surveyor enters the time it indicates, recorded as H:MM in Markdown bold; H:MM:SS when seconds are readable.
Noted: **4:26**
